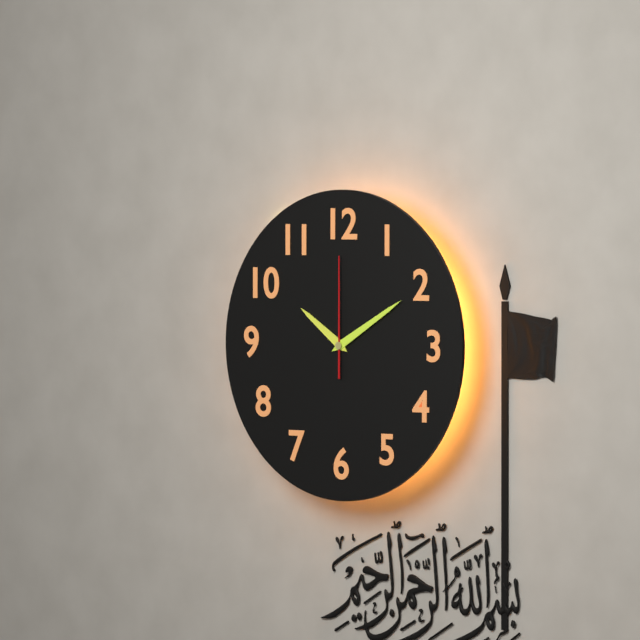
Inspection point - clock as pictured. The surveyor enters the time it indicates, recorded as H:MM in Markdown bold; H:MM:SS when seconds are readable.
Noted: **10:10:00**
